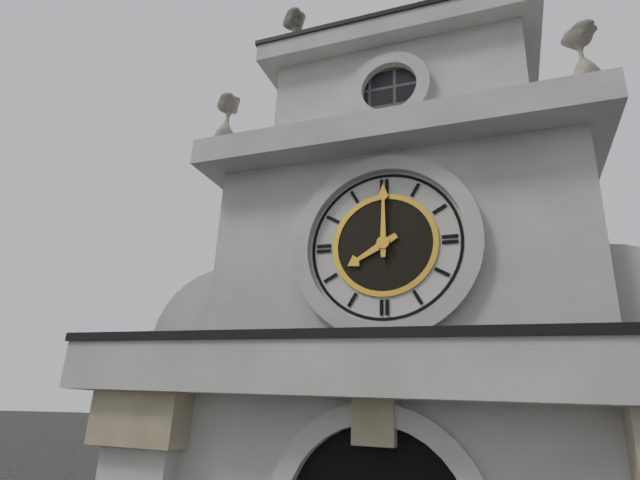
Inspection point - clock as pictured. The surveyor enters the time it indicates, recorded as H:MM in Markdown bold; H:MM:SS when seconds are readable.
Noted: **8:00**
